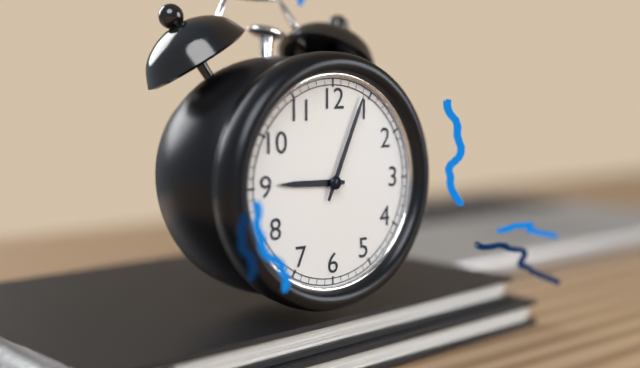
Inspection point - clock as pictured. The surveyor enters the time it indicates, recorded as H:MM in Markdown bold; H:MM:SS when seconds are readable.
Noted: **9:04**
